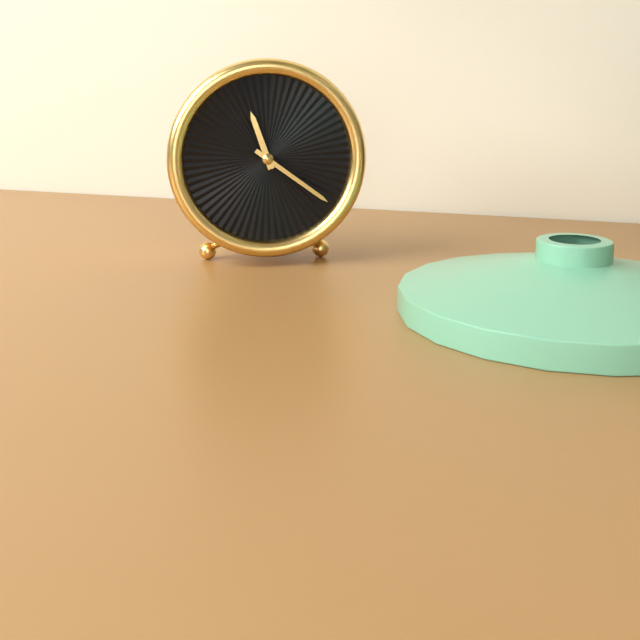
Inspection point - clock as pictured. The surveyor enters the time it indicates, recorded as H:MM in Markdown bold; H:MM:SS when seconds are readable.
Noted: **11:21**
